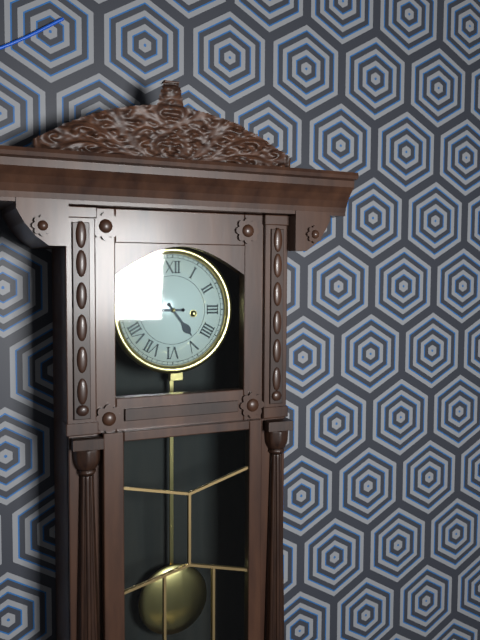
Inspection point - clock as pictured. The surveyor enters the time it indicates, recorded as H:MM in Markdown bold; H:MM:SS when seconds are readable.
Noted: **4:45**
